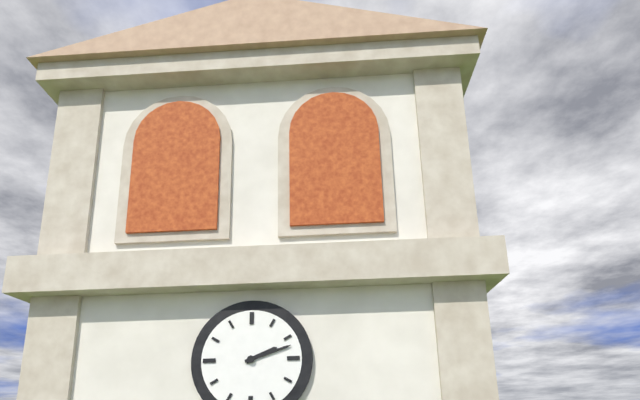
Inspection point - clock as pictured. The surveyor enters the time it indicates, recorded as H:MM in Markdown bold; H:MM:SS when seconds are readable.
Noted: **2:12**
